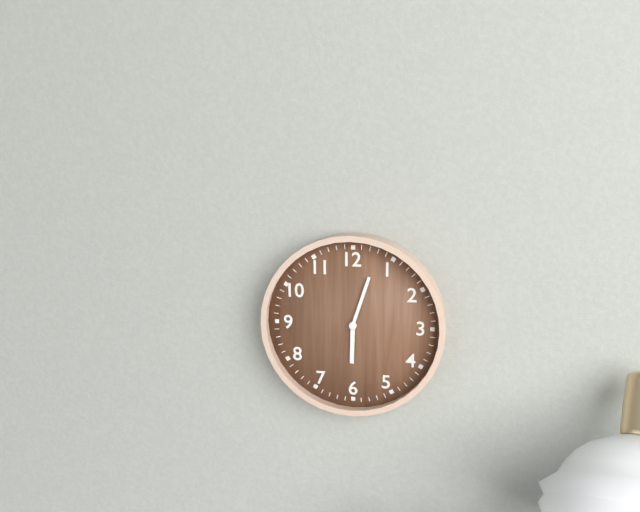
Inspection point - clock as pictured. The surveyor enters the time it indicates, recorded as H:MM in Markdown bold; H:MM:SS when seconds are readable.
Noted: **6:03**
